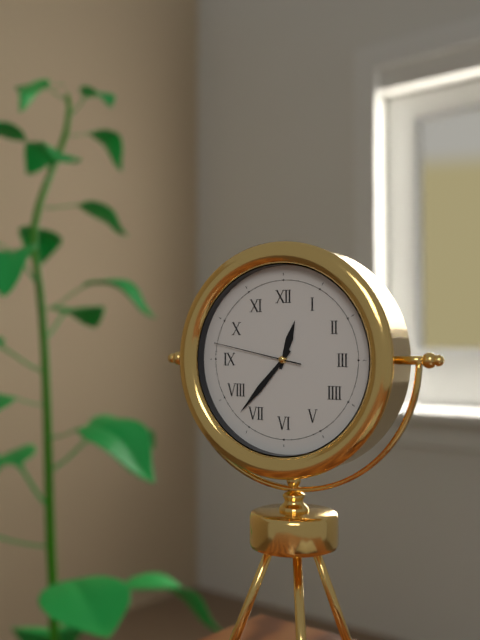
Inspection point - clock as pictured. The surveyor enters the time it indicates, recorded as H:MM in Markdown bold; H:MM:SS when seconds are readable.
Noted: **12:37:47**
